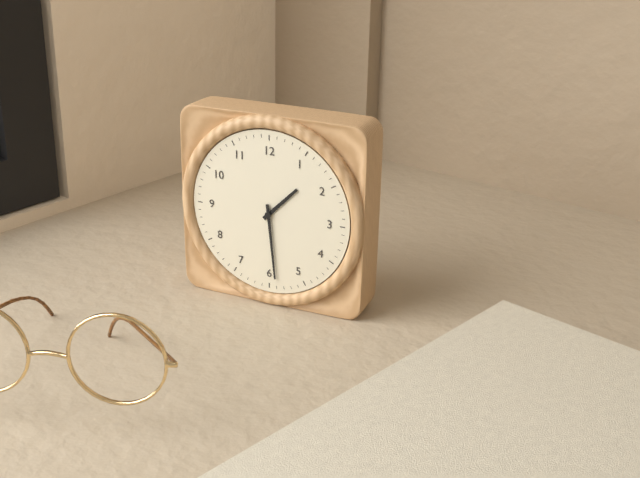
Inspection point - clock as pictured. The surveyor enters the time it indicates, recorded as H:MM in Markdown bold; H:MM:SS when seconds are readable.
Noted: **1:29**
